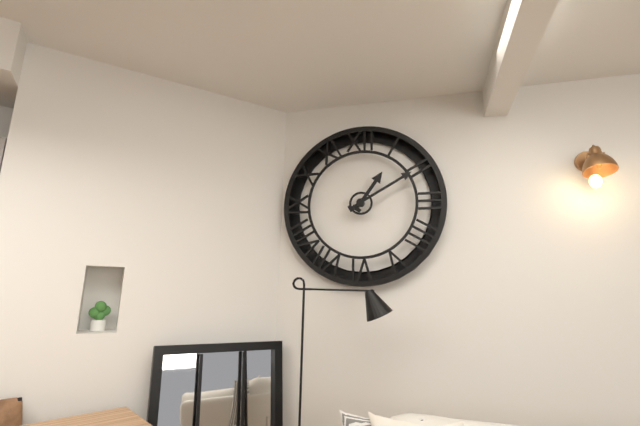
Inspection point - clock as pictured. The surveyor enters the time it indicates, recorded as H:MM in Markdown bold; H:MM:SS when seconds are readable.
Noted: **1:10**
